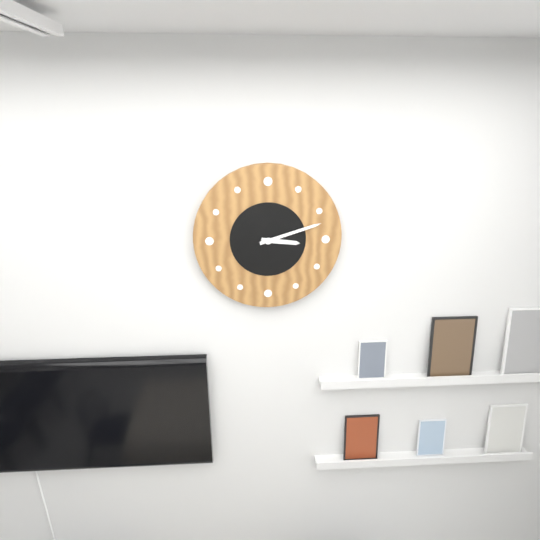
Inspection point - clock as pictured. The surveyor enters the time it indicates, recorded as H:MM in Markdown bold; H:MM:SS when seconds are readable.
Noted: **3:12**
